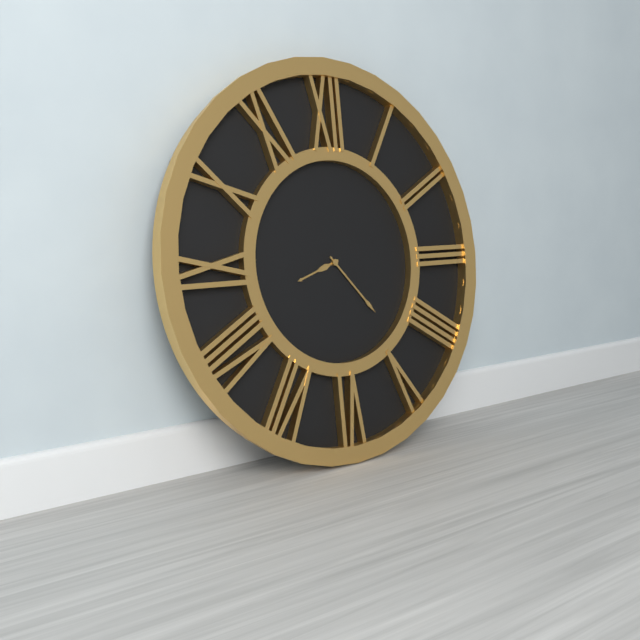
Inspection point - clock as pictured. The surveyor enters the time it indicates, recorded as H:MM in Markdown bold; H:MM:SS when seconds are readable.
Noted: **8:23**
